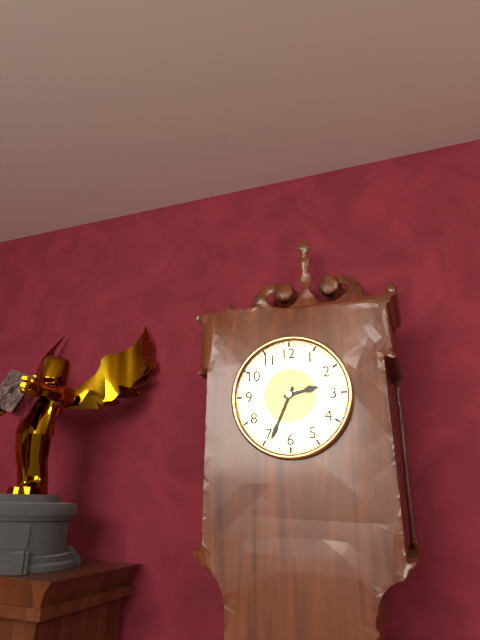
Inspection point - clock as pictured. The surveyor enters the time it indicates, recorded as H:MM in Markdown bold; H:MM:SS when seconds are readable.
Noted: **2:34**
